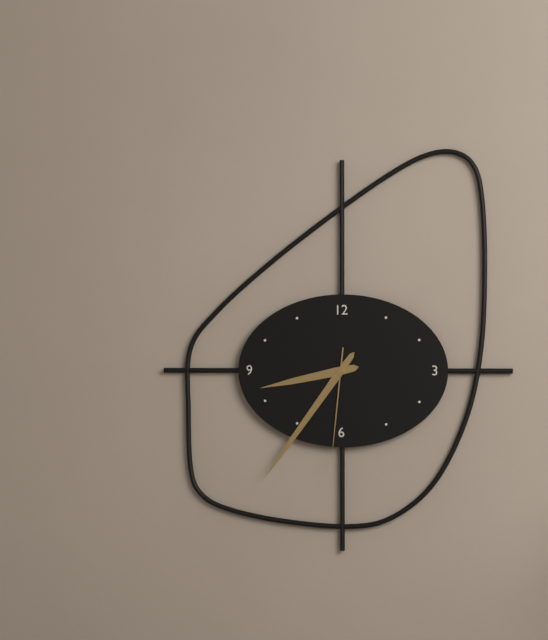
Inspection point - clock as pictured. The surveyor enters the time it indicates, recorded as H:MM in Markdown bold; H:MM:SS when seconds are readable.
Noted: **8:36:31**
